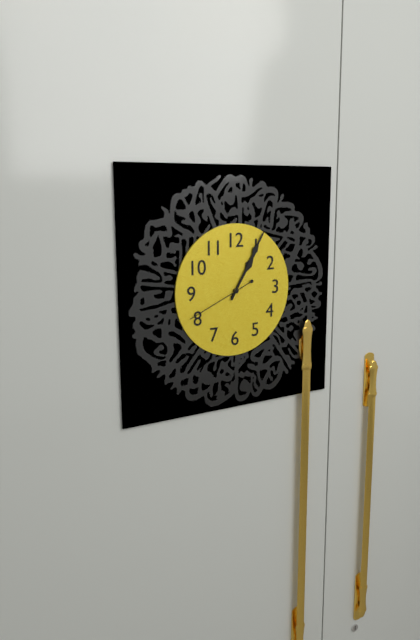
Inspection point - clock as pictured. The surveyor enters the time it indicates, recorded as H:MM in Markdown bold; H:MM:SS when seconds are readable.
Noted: **1:05:41**
